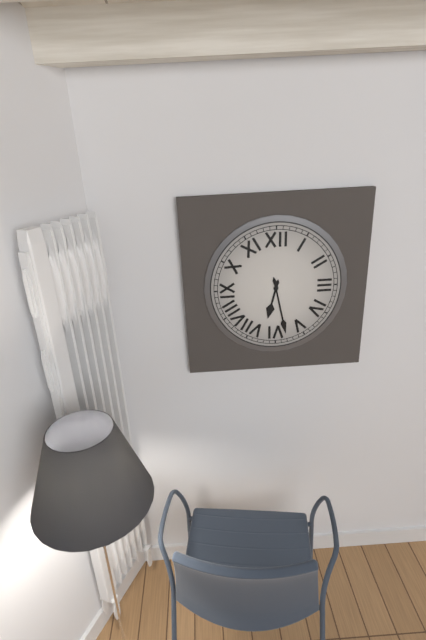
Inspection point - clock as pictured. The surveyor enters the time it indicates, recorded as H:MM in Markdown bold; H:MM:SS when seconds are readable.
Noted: **6:28**
